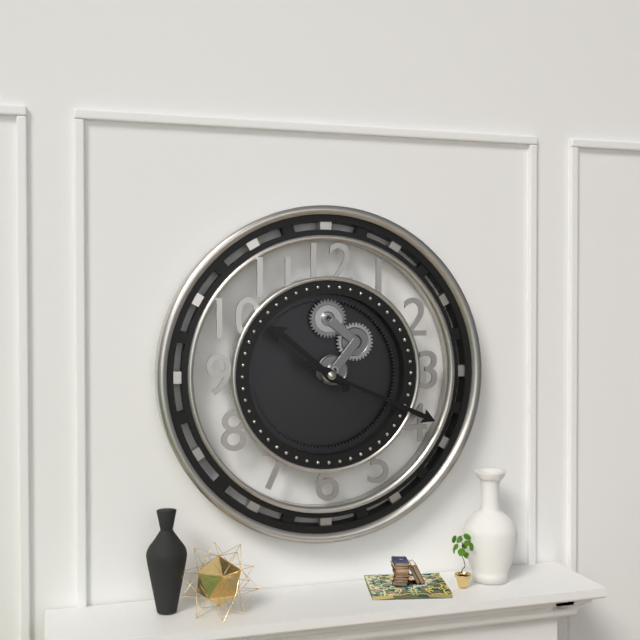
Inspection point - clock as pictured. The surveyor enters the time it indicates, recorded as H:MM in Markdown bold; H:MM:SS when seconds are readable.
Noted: **10:19**
